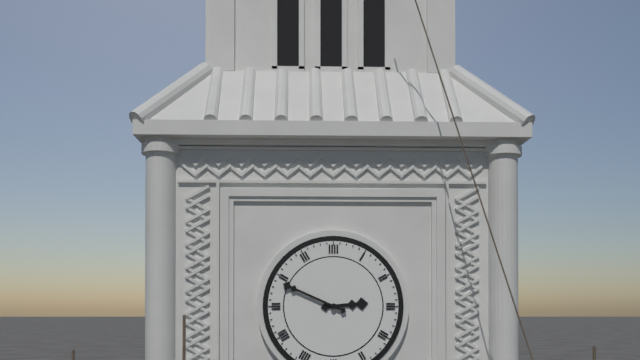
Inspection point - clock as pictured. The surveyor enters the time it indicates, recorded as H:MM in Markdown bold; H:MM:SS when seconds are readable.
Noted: **2:49**
